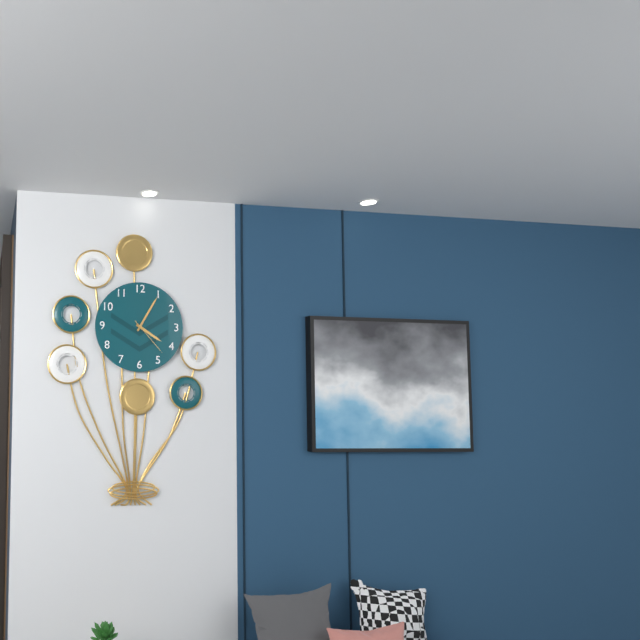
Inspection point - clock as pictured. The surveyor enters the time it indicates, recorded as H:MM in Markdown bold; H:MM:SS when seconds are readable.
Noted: **4:05**
